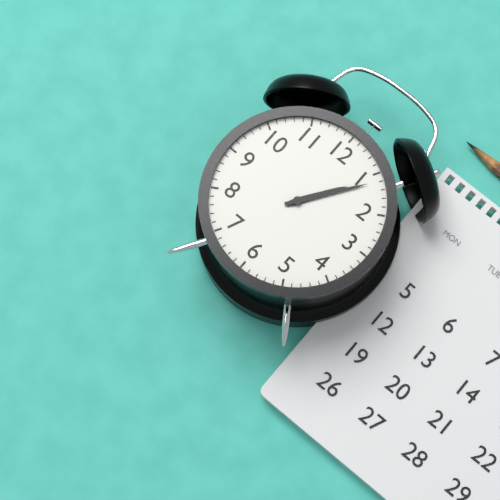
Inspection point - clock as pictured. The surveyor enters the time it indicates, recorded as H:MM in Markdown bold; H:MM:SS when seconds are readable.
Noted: **1:06**
